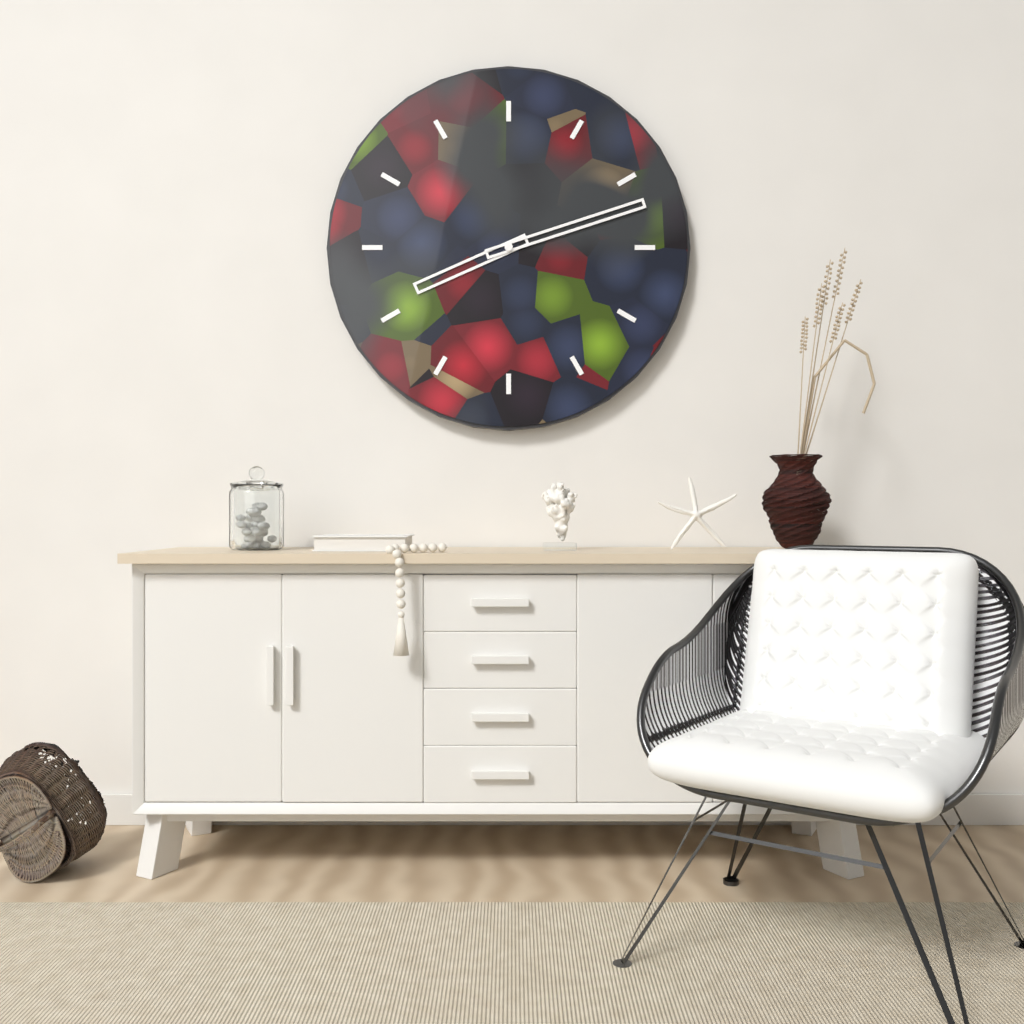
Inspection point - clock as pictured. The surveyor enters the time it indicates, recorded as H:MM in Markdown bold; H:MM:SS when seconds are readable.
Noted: **8:12**
